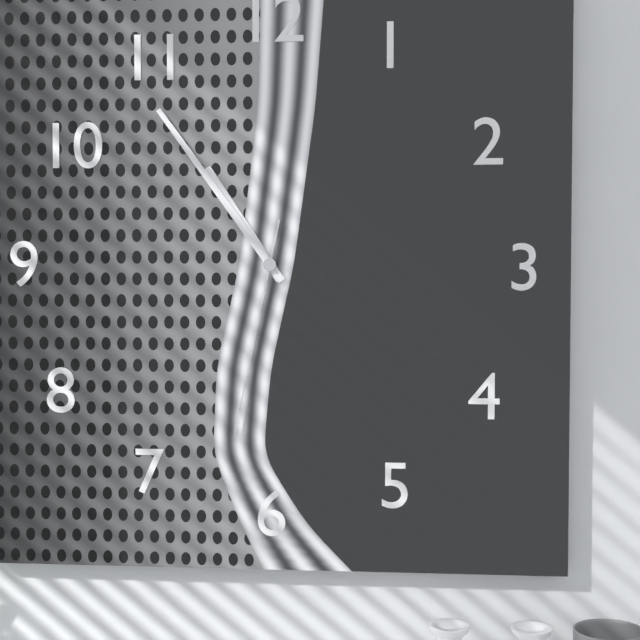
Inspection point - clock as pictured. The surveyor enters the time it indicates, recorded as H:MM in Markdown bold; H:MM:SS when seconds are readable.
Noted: **10:54:32**
